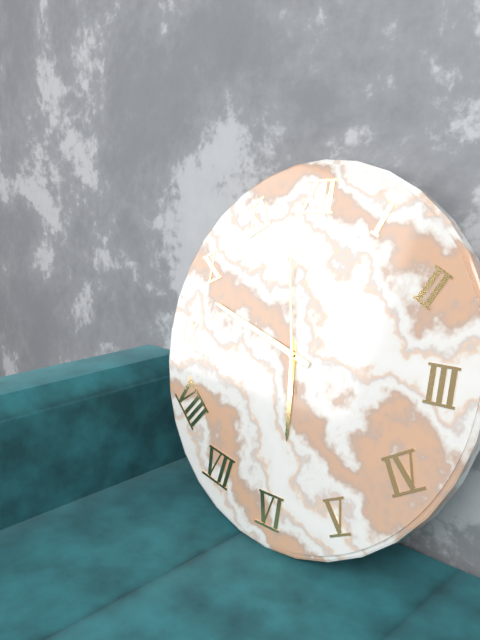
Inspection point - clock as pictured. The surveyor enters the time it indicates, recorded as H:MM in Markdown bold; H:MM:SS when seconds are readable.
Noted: **5:48:58**
